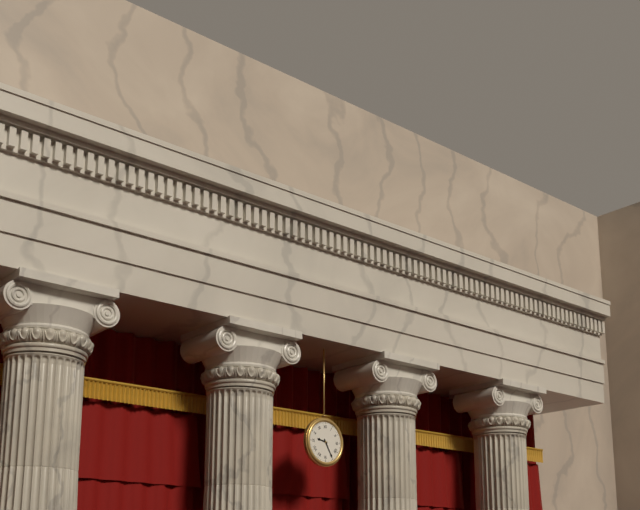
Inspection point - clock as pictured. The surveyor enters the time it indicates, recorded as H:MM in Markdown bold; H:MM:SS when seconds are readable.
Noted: **9:25**
